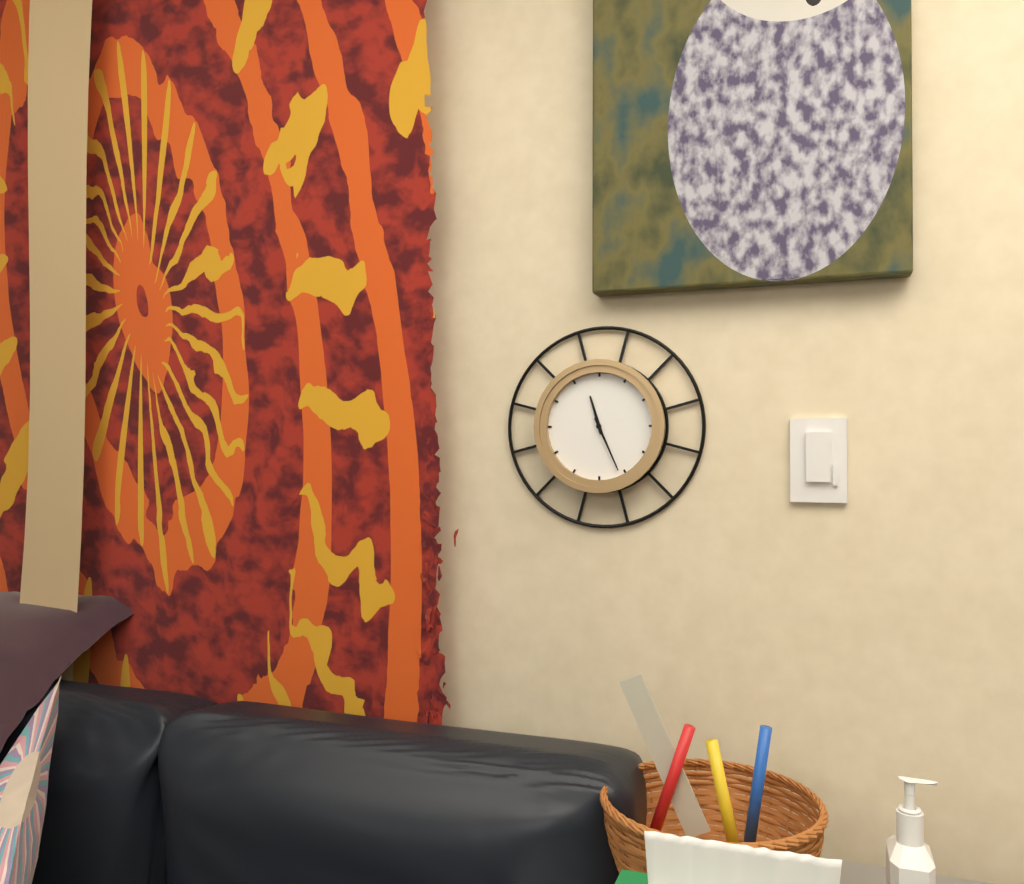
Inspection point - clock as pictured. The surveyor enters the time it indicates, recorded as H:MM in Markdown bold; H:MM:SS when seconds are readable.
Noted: **11:26**
